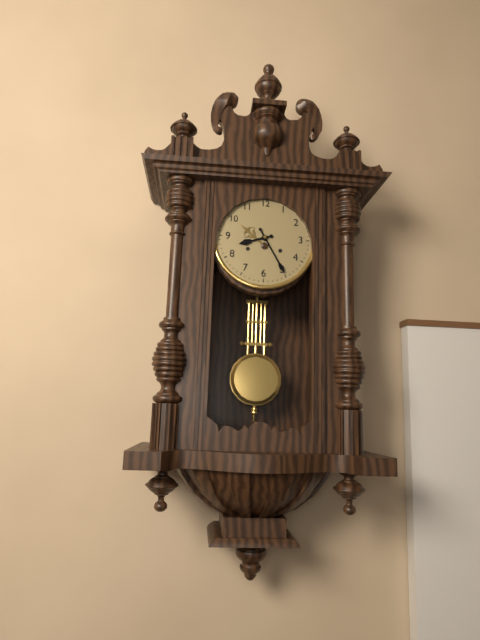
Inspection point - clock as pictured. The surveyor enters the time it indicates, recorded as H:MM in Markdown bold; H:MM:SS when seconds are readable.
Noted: **8:25**
